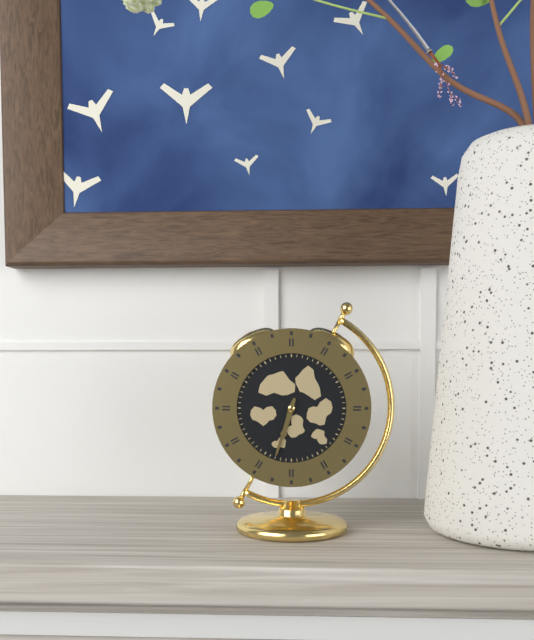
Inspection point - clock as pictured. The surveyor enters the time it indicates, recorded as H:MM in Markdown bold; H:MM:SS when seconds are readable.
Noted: **6:33**
